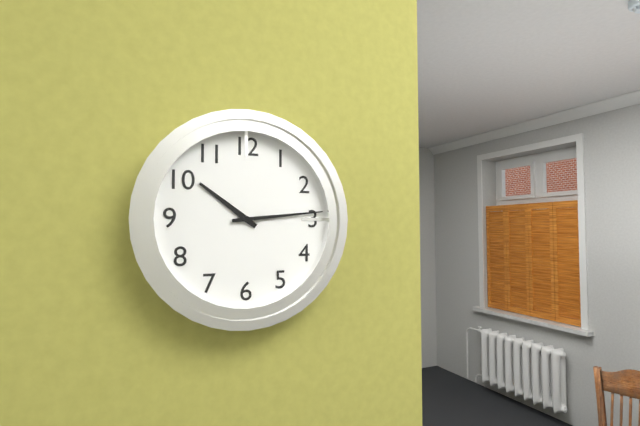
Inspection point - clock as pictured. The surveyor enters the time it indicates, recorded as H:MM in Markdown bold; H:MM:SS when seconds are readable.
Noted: **10:14**
